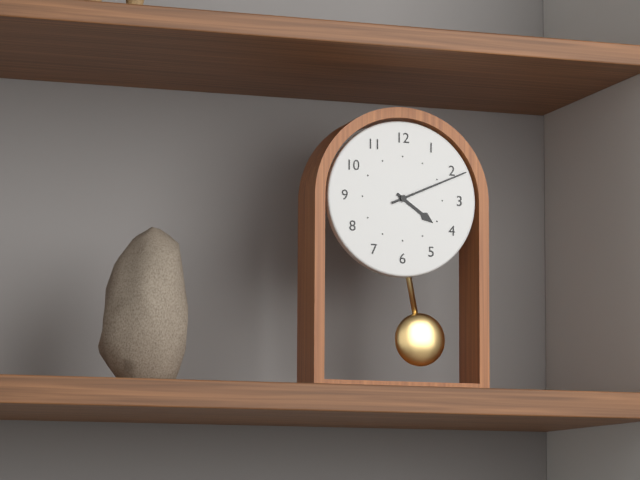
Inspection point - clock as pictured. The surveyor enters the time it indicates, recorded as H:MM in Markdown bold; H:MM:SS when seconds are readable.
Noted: **4:11**
